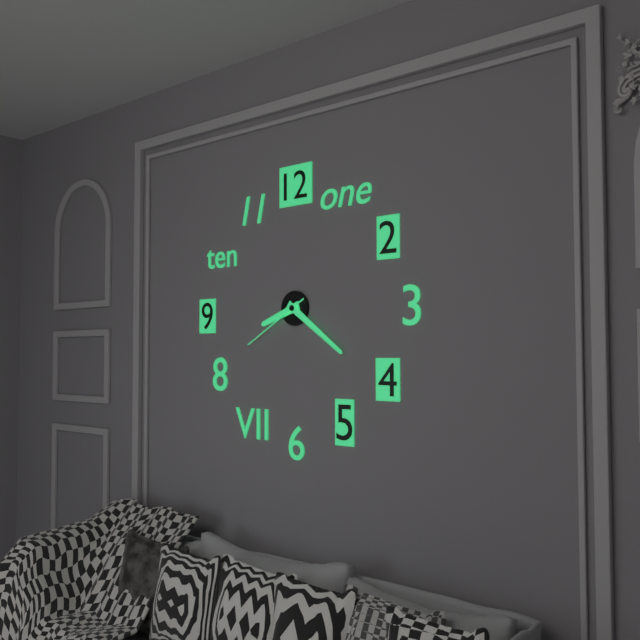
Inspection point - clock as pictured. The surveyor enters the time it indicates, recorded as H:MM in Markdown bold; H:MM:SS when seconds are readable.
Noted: **8:21:40**
